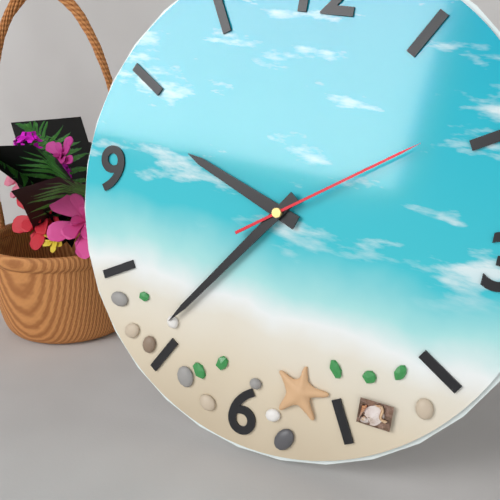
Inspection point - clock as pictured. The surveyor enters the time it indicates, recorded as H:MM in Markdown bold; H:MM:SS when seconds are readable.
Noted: **9:36:09**
